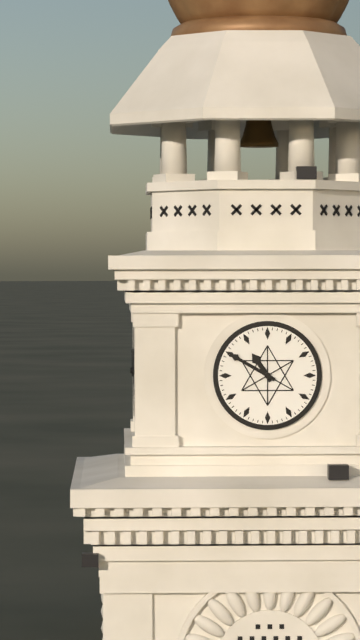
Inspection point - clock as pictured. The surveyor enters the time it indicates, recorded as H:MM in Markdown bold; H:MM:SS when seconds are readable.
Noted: **10:50**
